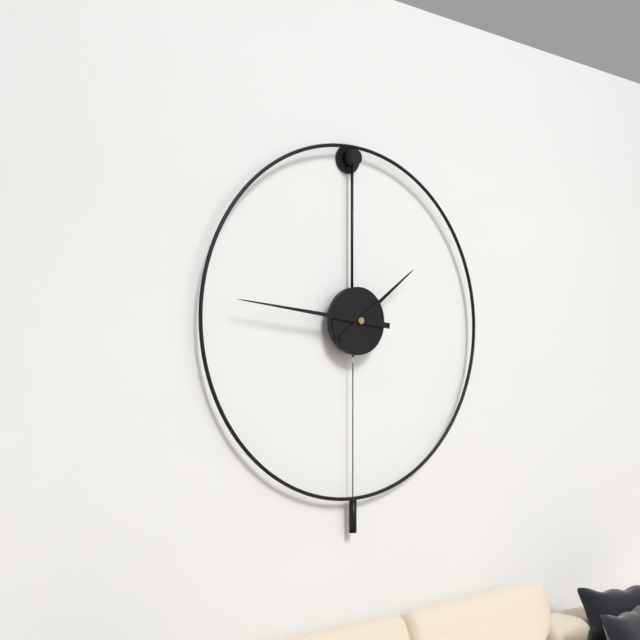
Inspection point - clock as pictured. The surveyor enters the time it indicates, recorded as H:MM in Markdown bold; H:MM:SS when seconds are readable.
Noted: **1:46**
